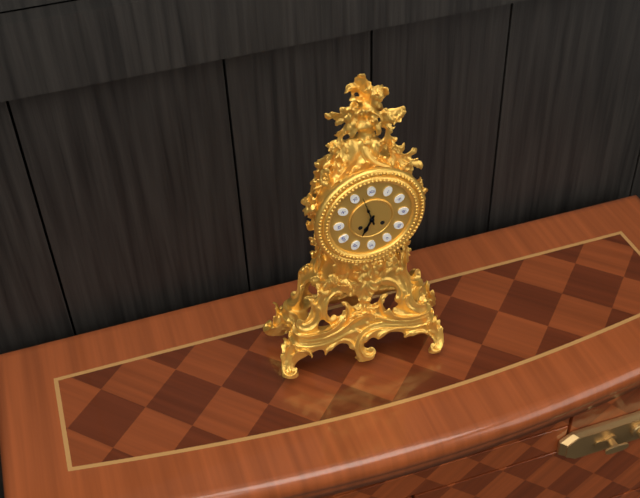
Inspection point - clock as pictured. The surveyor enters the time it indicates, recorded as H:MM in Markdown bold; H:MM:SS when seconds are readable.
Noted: **6:57**
